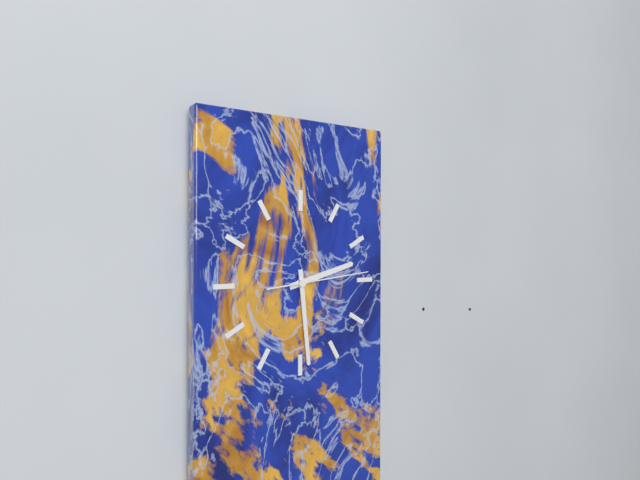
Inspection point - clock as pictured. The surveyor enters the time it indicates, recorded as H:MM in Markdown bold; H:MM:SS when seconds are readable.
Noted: **2:29:14**
